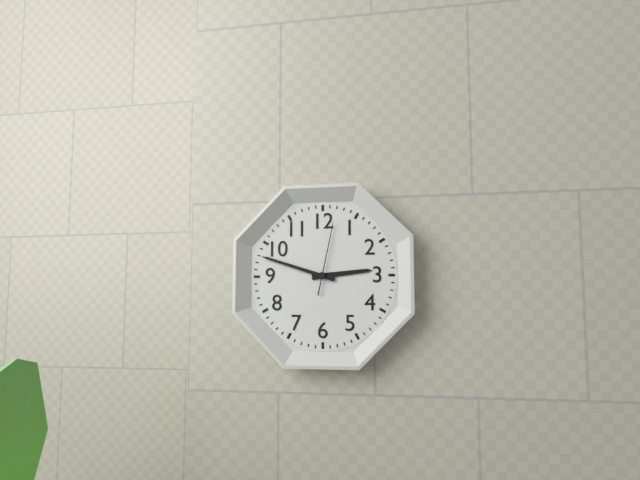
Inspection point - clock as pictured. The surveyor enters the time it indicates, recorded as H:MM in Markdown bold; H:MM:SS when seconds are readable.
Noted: **2:48:02**
